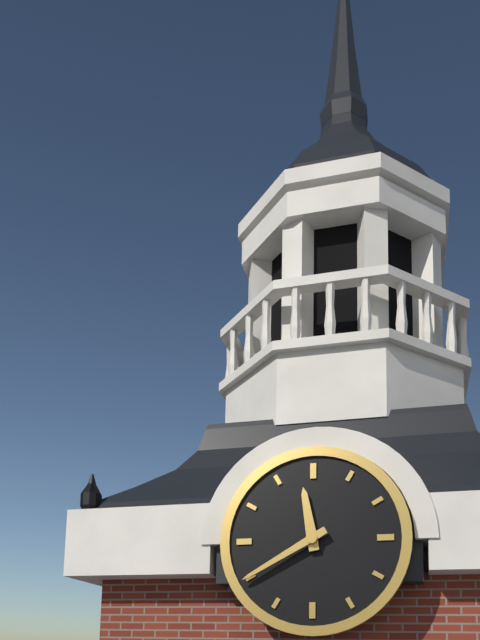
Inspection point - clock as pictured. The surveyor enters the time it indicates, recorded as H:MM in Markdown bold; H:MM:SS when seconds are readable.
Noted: **11:40**
